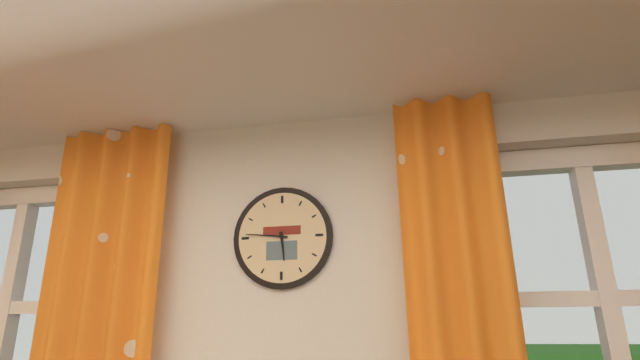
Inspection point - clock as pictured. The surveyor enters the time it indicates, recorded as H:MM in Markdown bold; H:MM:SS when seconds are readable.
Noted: **5:46**
